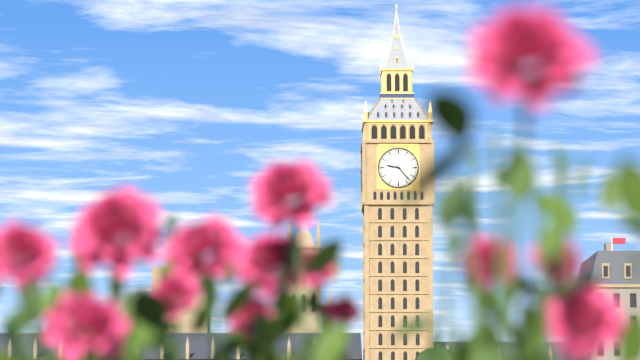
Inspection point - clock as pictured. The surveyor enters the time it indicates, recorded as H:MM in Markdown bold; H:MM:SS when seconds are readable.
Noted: **9:23**
